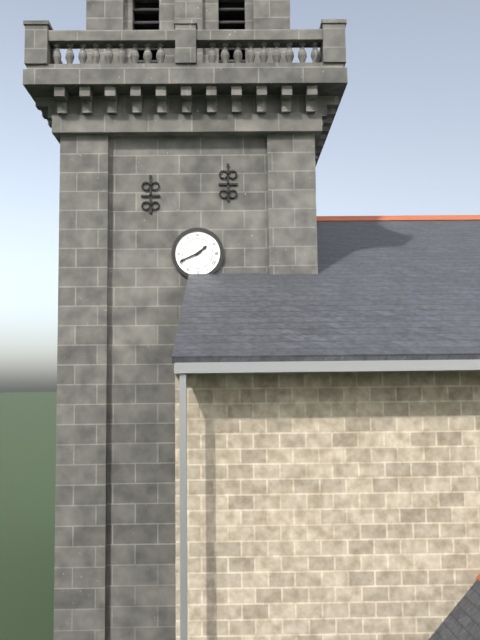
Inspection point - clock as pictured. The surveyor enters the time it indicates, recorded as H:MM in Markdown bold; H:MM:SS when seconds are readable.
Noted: **1:41**
